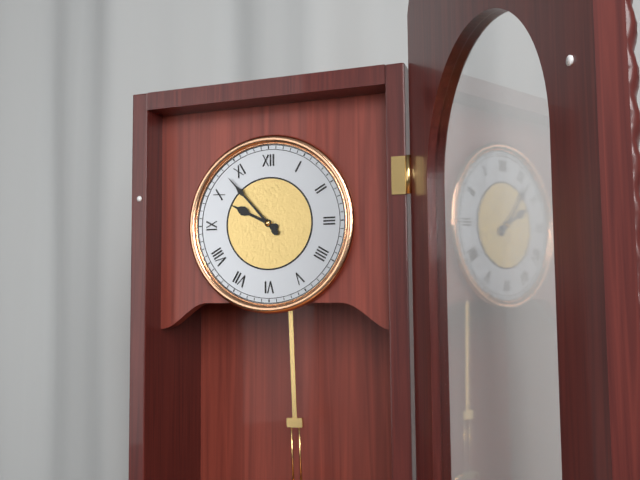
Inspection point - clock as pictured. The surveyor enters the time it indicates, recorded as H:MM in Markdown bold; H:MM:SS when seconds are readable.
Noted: **9:53**
